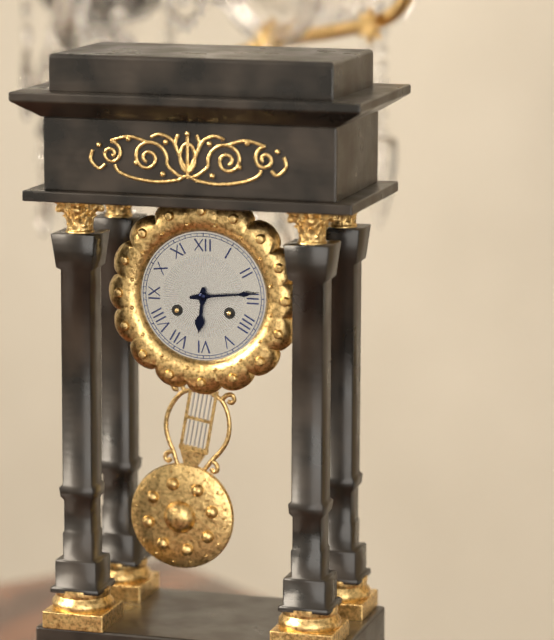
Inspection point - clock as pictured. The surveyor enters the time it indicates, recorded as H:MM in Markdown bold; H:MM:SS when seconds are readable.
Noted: **6:14**
